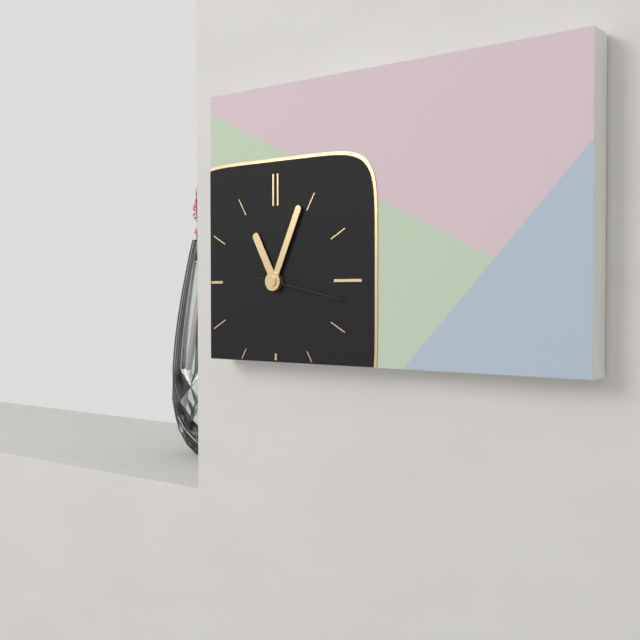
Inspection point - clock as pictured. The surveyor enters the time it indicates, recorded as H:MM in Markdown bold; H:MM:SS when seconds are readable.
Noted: **11:04:17**
